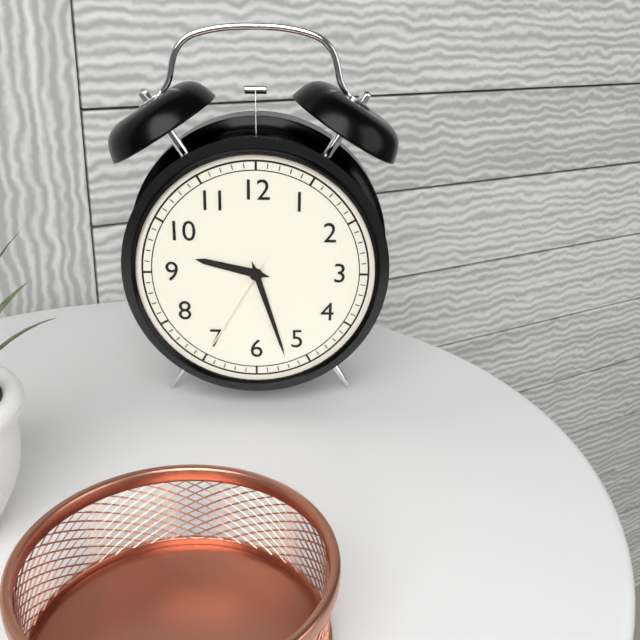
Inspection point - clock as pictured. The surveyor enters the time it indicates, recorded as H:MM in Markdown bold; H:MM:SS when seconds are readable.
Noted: **9:27:35**
